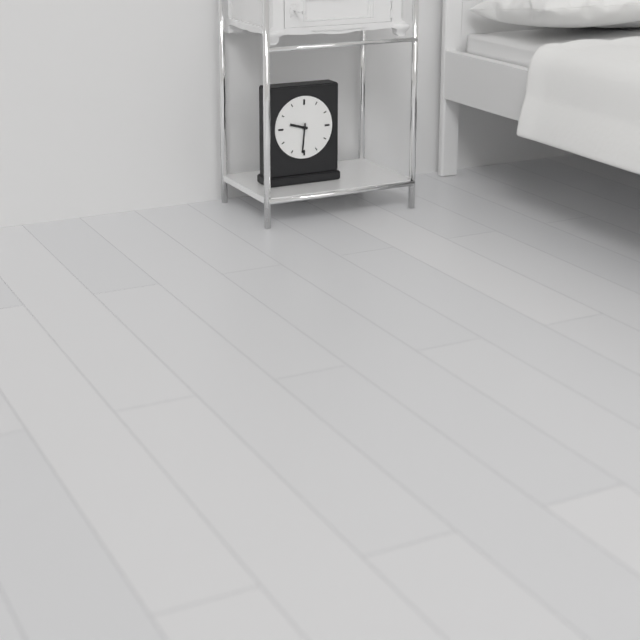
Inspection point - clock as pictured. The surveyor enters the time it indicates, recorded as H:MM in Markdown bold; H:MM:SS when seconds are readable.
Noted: **9:31**
